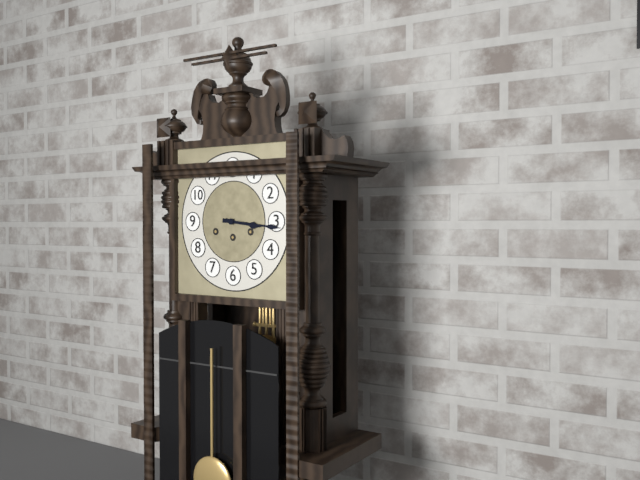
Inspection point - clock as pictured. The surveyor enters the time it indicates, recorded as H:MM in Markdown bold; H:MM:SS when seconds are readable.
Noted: **3:16**
